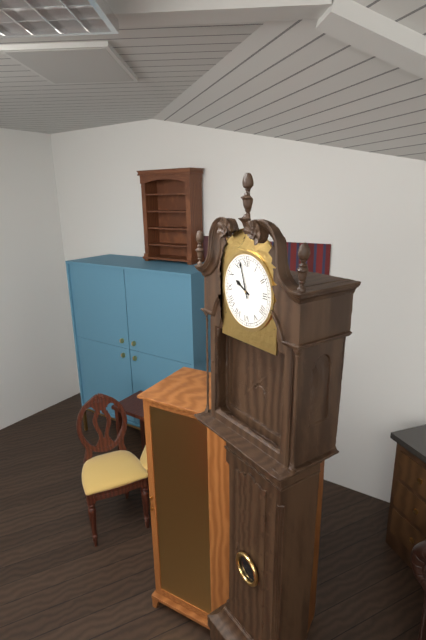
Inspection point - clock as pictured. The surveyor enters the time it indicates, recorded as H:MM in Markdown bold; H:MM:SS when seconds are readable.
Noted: **9:57**
